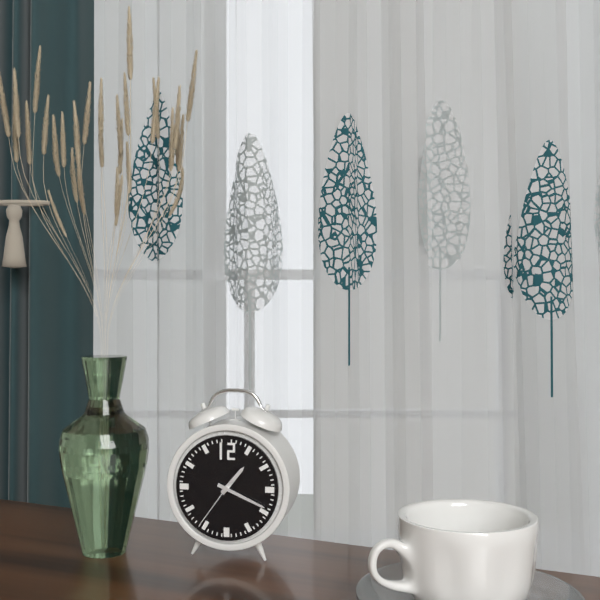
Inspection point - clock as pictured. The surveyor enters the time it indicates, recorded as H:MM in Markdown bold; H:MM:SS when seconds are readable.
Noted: **1:19:36**
